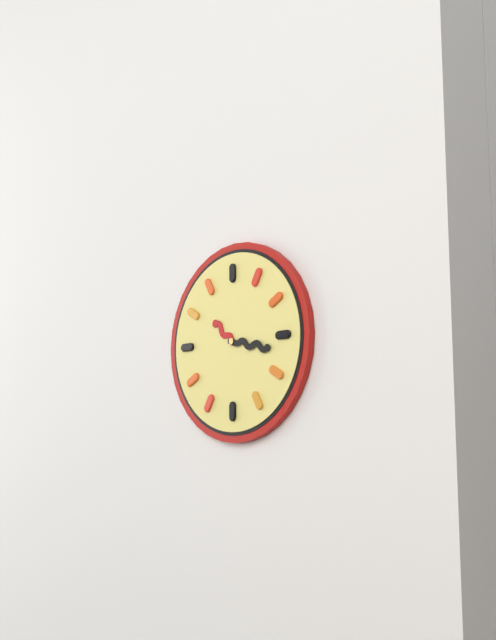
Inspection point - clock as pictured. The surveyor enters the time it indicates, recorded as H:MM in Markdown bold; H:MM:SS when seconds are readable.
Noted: **10:17**
